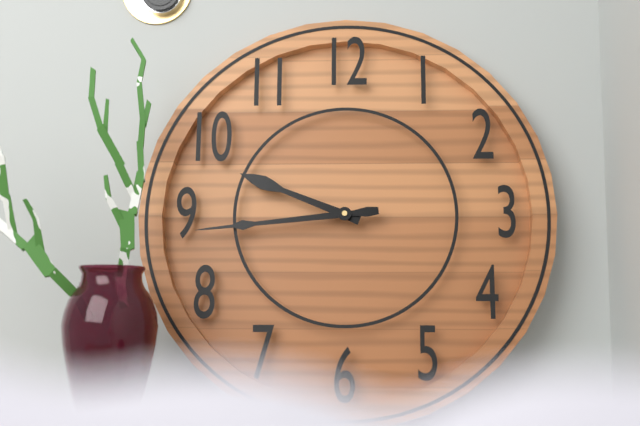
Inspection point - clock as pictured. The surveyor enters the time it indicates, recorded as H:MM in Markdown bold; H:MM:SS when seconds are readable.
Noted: **9:44**
